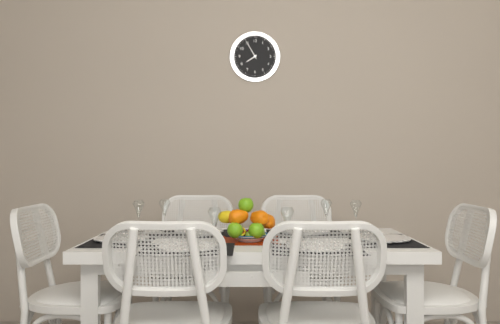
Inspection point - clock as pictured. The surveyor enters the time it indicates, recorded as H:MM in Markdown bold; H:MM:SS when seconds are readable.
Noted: **7:55**
